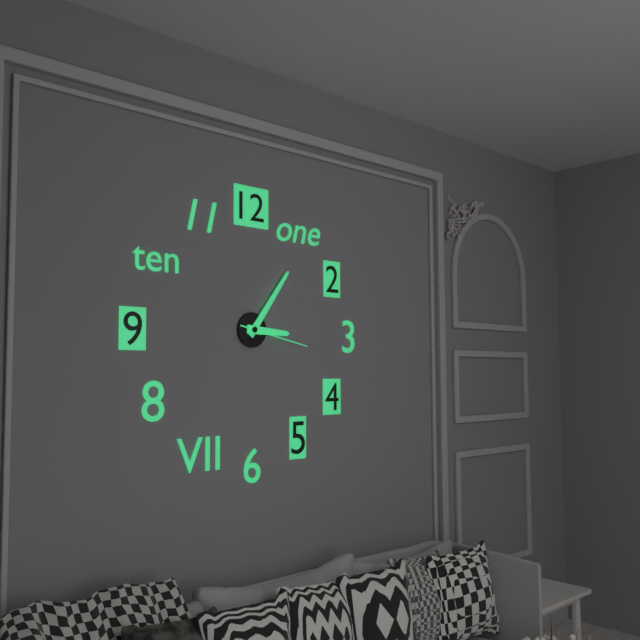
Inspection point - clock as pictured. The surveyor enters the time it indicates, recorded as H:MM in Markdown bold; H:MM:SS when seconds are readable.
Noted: **3:06:17**
